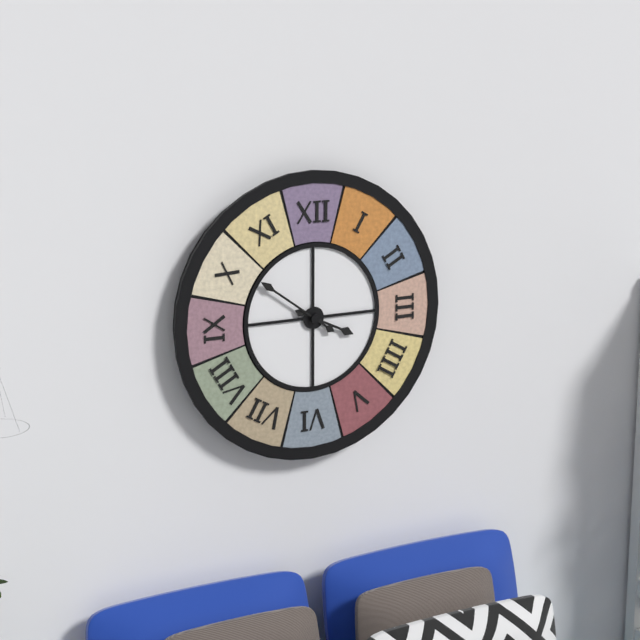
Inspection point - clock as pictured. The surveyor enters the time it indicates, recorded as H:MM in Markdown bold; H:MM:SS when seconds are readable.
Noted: **3:51**
